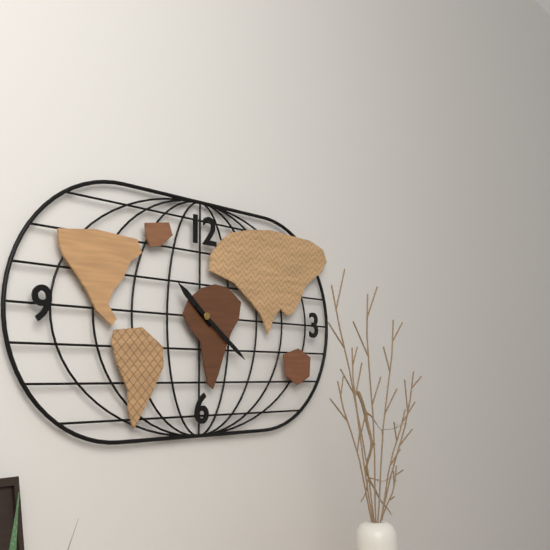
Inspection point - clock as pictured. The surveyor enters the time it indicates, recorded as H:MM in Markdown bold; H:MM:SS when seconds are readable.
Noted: **10:21**
